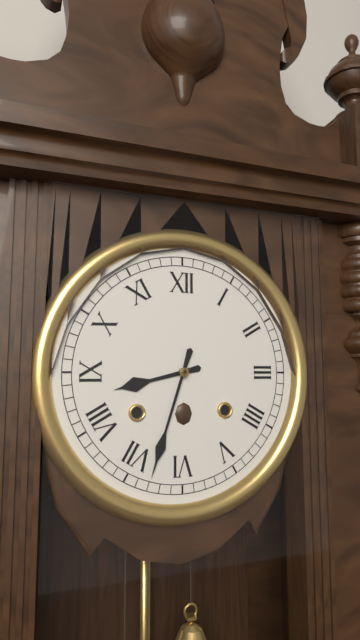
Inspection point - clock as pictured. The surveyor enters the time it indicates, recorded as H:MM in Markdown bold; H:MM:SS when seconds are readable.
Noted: **8:33**
